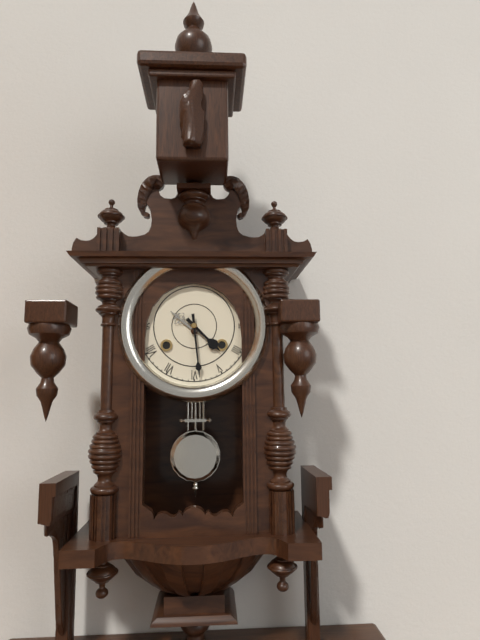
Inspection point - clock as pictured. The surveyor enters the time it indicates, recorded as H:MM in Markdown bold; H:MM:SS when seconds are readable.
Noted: **4:29**
